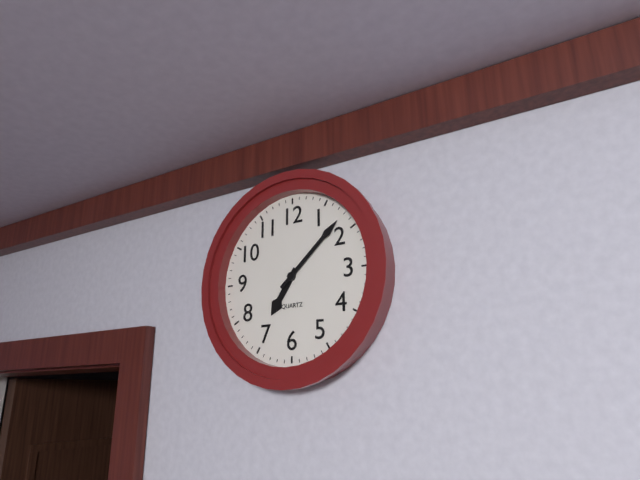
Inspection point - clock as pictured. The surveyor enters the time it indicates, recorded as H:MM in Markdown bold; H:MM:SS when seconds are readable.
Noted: **7:08**
